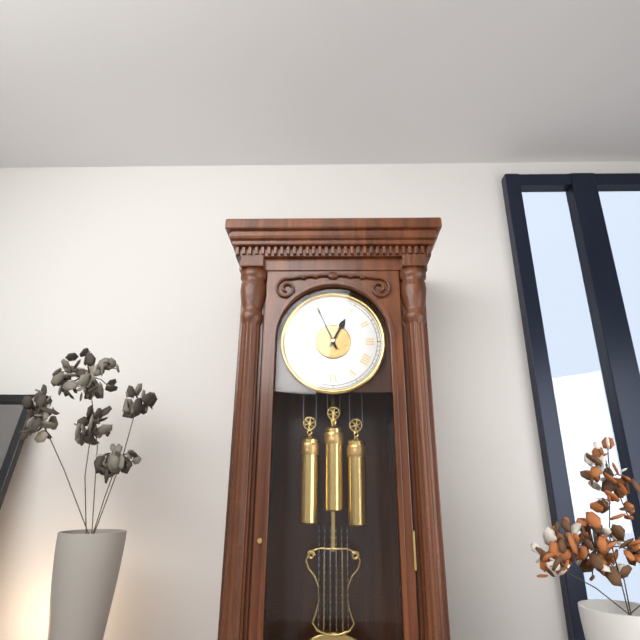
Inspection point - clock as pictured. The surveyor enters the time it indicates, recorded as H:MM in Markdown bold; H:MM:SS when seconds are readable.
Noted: **12:56**
